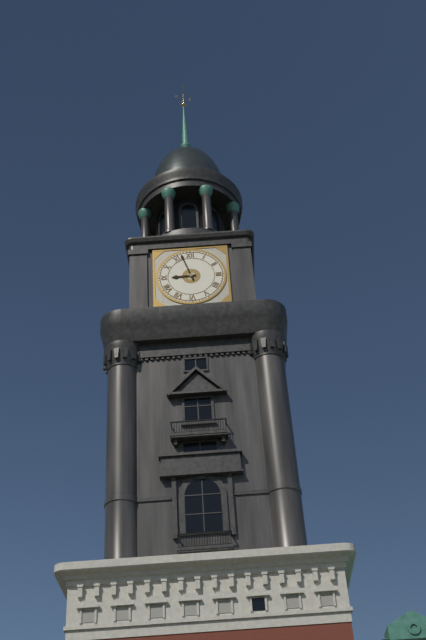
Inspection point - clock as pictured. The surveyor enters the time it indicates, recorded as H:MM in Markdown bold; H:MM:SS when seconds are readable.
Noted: **8:57**
